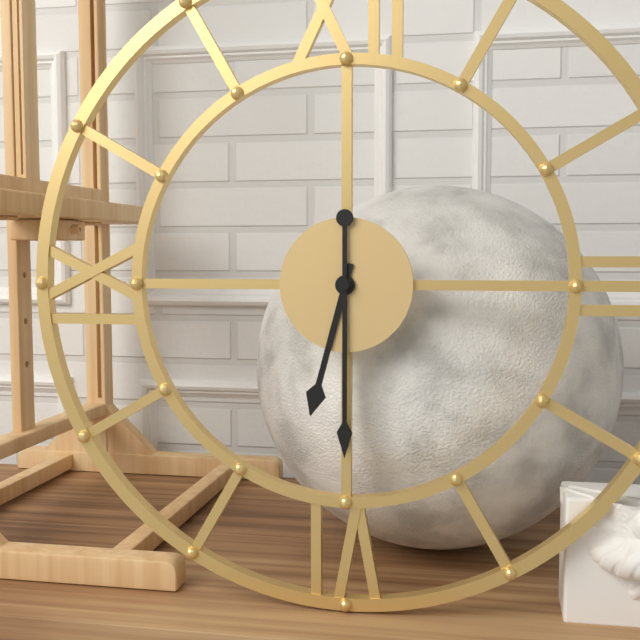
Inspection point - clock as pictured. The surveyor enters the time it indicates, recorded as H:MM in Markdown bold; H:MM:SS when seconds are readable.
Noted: **6:30**
